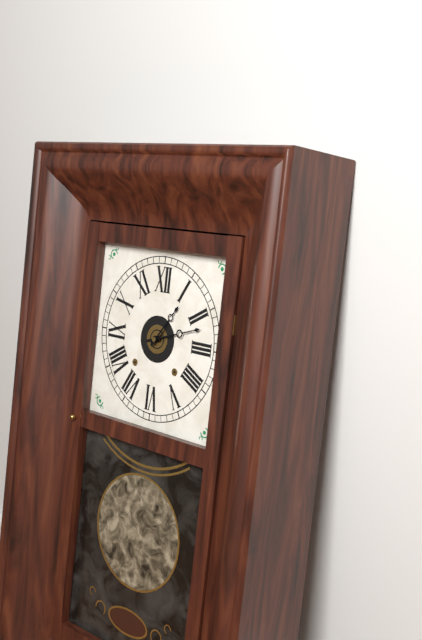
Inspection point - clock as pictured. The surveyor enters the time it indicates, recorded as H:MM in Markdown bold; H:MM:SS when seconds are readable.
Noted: **1:12**
